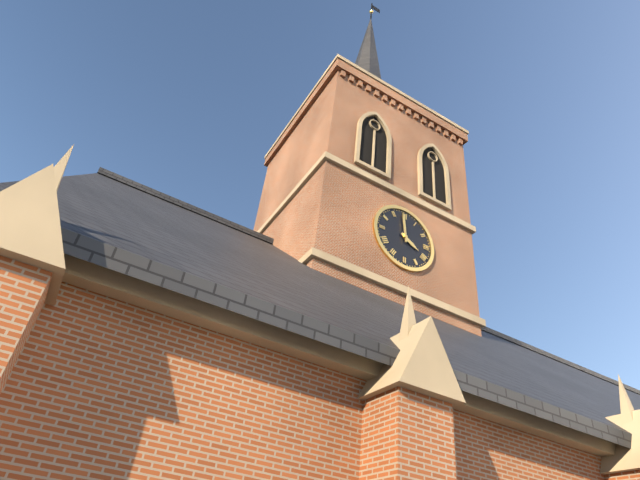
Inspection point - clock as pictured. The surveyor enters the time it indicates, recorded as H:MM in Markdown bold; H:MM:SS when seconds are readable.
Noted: **3:59**
